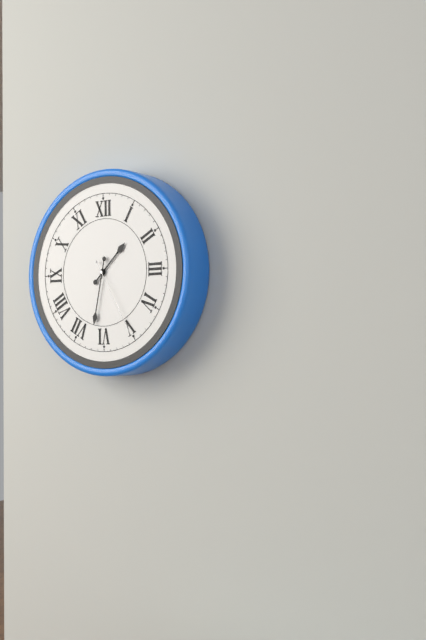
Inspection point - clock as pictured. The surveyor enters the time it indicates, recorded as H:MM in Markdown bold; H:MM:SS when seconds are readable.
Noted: **1:32:25**
